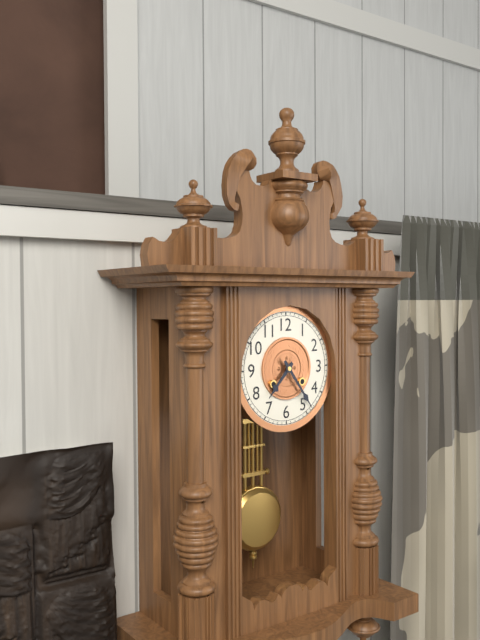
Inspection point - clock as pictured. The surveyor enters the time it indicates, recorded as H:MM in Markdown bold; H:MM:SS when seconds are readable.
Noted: **7:24**
